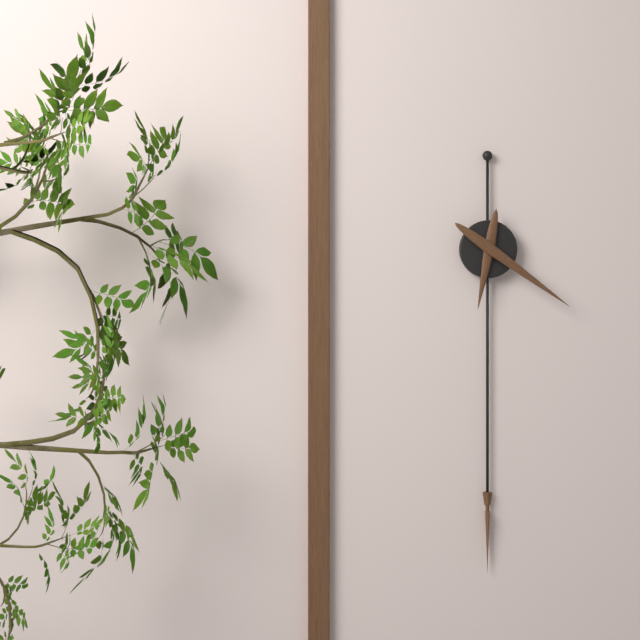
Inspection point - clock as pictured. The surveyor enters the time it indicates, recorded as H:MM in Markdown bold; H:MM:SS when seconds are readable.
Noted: **6:21**
